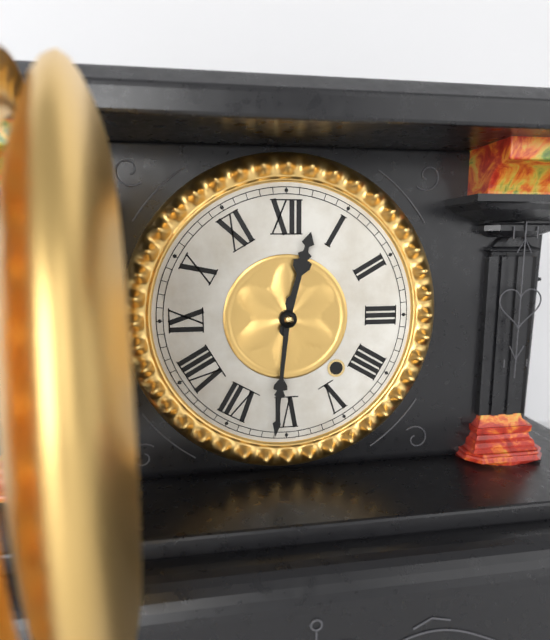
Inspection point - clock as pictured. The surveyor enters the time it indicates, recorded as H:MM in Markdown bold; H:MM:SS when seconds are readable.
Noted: **12:31**
